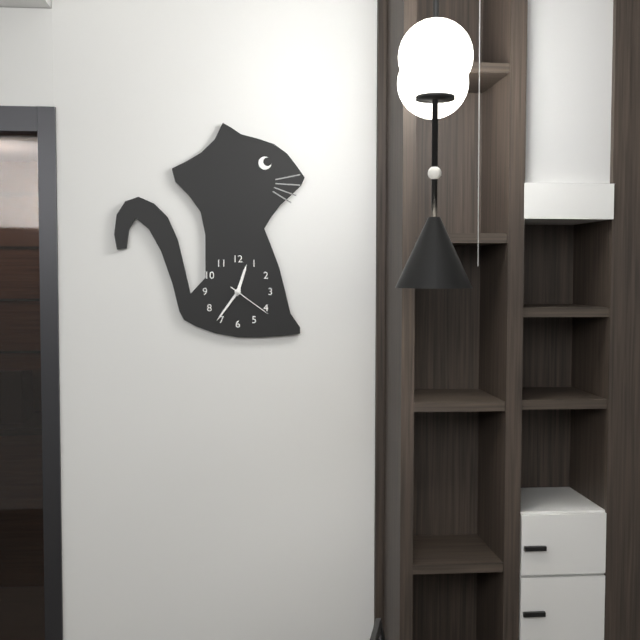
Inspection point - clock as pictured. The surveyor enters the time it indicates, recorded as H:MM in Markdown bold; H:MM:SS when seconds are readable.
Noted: **12:36**
